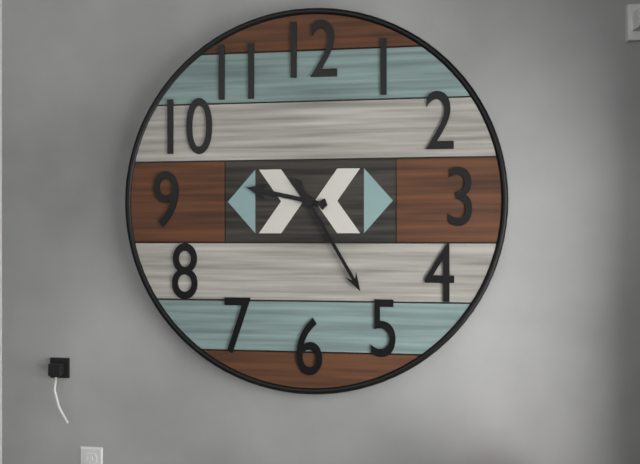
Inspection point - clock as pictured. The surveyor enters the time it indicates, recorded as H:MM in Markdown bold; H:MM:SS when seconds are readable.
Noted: **9:25**
